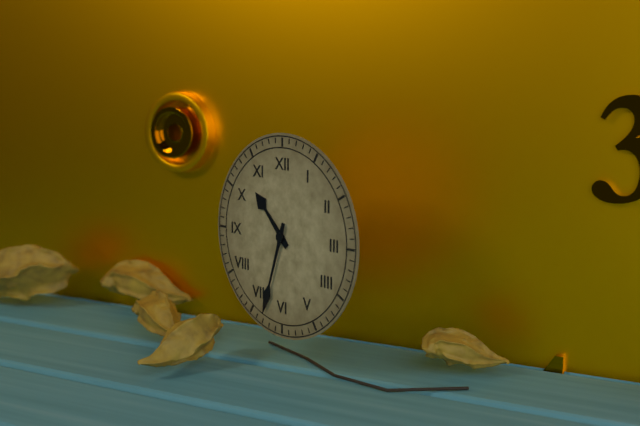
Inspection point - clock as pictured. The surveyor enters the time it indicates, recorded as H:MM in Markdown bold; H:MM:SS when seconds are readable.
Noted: **10:33**
